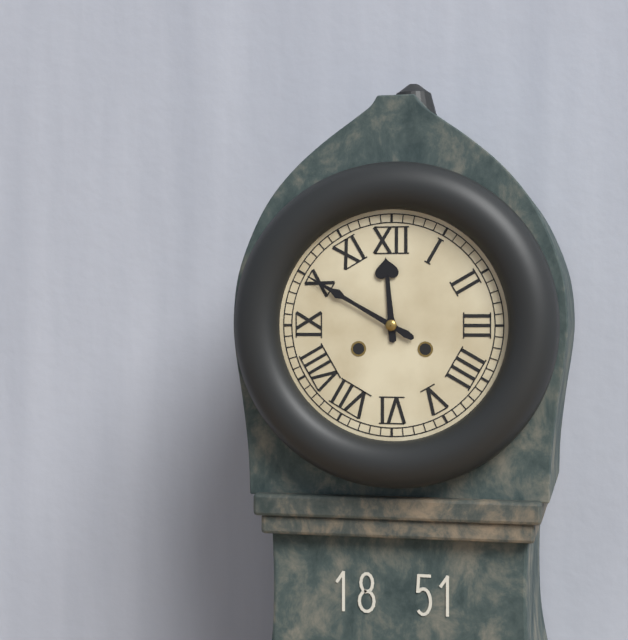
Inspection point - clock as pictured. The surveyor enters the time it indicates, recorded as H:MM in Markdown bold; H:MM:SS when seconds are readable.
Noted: **11:50**
